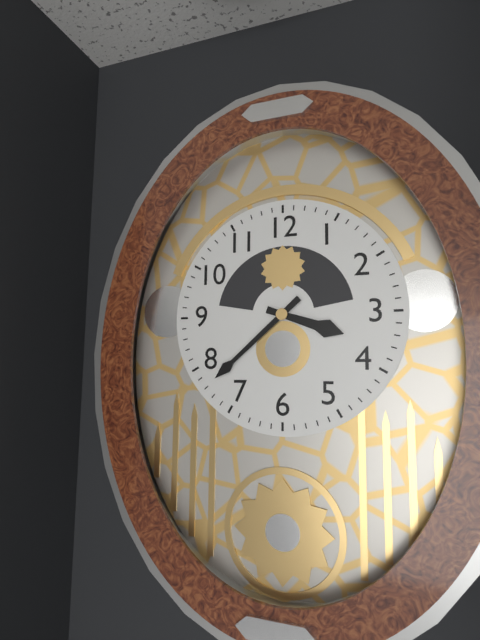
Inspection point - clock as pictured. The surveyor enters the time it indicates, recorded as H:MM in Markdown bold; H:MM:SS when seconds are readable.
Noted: **3:38**
